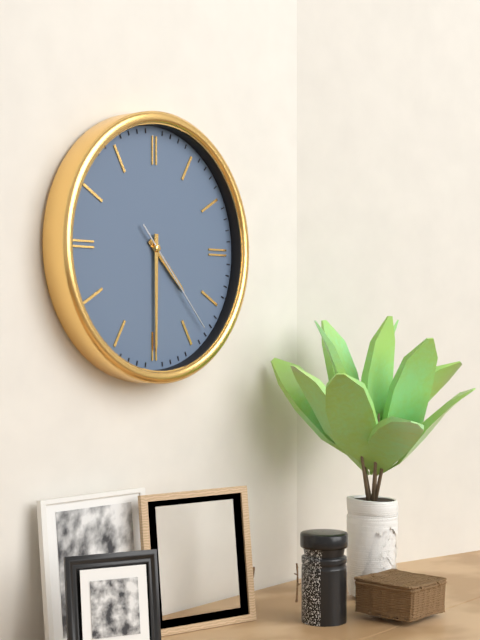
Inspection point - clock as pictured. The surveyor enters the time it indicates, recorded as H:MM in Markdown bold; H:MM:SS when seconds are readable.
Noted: **4:30:23**
